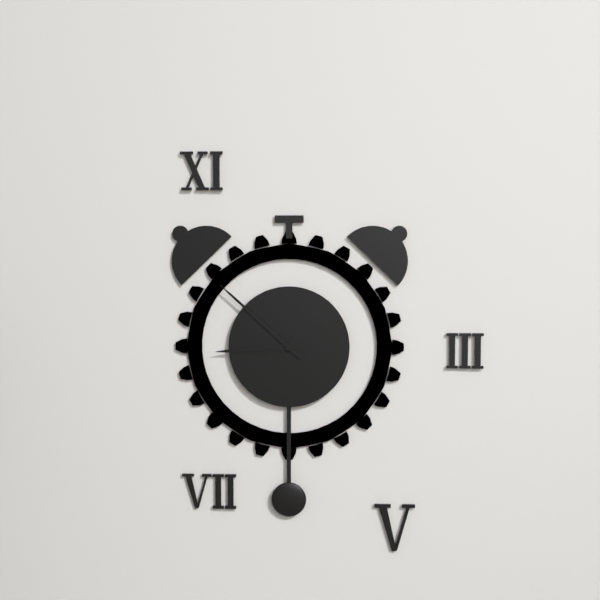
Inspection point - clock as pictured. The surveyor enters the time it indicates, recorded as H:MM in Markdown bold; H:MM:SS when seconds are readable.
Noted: **8:52**
